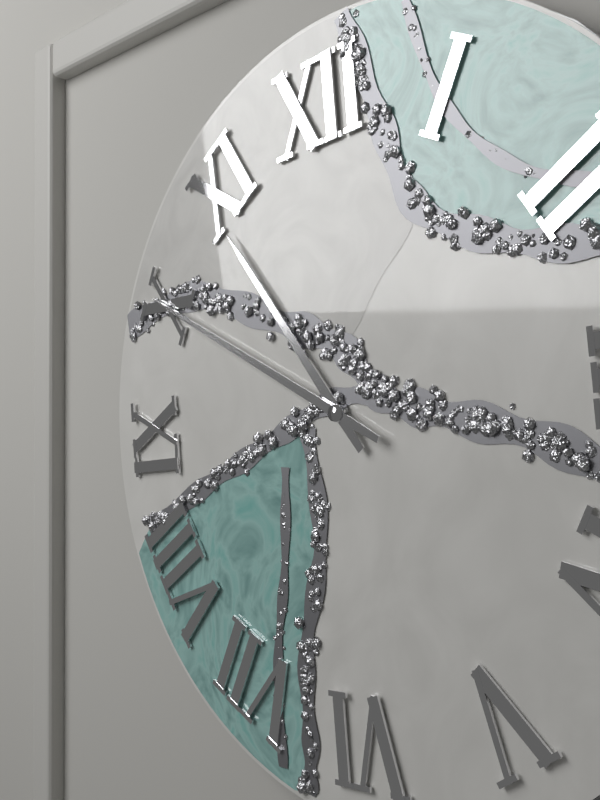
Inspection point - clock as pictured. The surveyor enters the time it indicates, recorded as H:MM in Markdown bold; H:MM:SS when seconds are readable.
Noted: **10:50**
